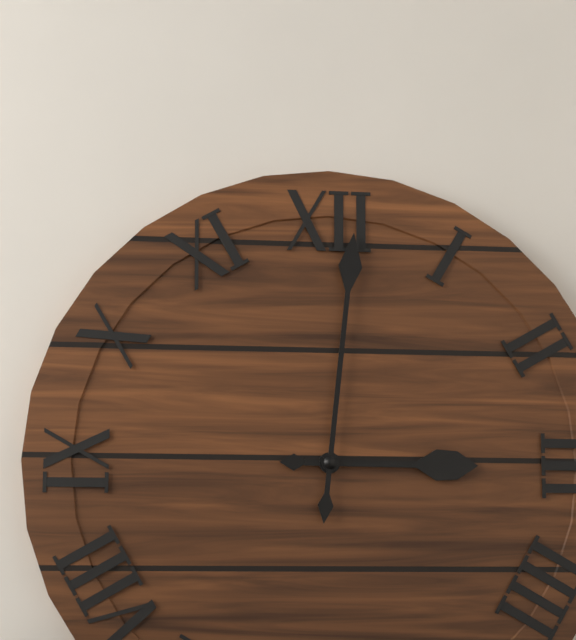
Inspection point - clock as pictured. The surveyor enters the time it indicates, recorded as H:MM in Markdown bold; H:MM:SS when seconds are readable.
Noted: **3:01**
